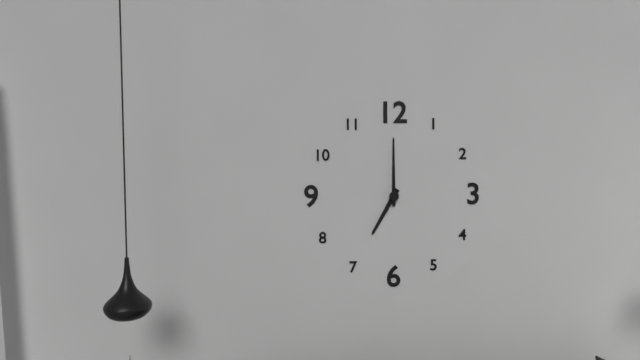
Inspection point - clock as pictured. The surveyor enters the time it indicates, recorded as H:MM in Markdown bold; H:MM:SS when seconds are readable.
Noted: **7:00**
